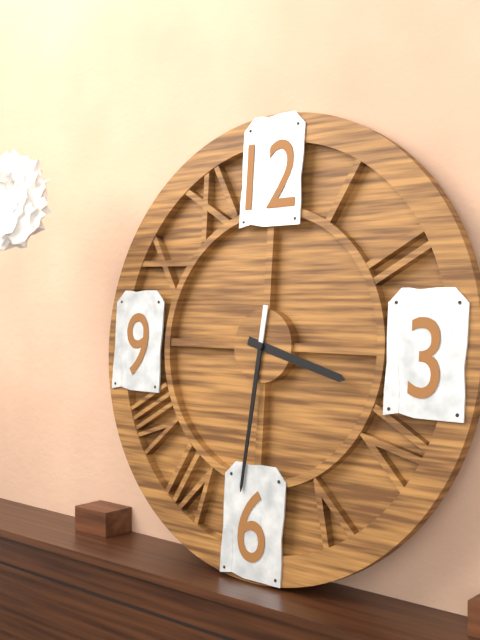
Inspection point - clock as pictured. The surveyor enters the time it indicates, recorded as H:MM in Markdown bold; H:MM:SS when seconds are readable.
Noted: **3:31**
